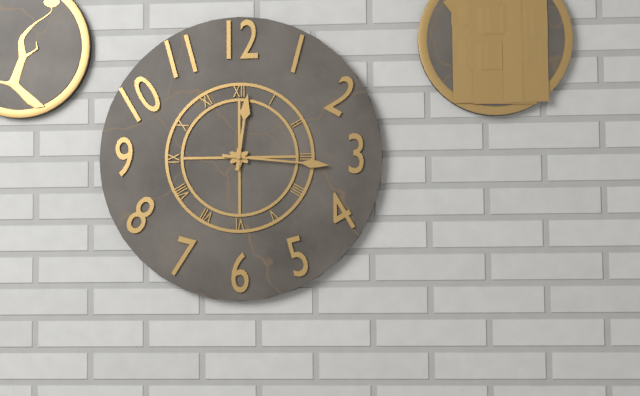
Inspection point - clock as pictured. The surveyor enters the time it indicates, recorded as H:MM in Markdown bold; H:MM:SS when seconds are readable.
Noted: **12:16**
